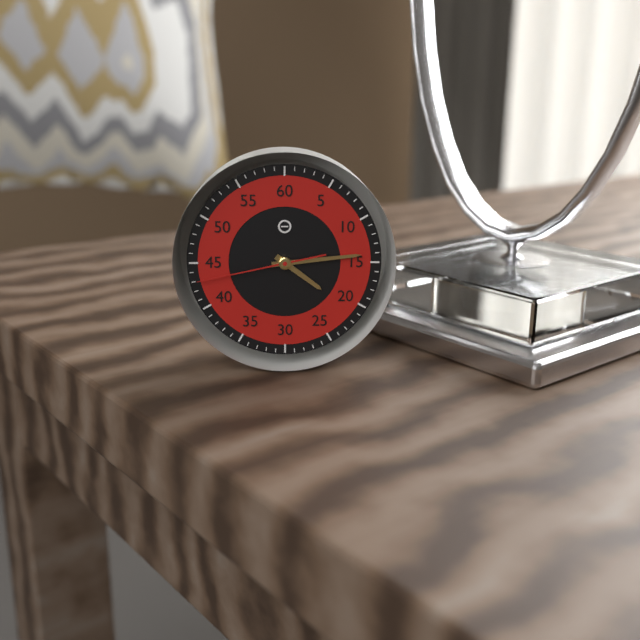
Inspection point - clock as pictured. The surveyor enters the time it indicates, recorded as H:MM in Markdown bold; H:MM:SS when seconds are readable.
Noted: **4:14:43**
